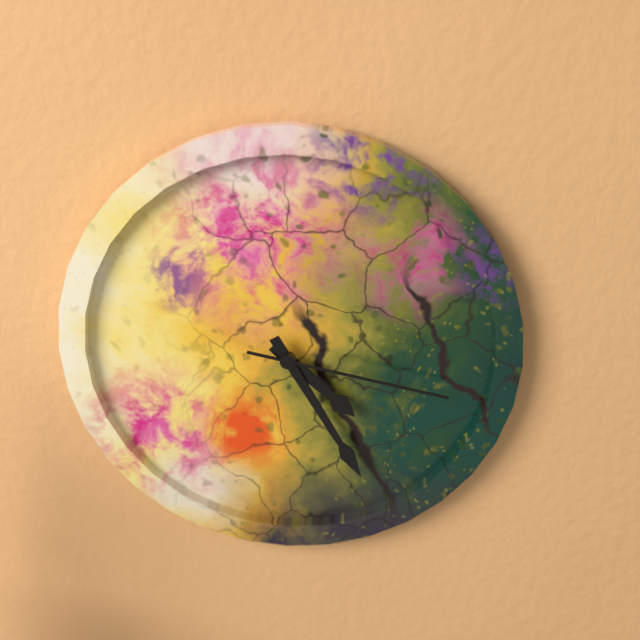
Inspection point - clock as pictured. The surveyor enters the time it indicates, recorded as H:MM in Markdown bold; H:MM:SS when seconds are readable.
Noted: **4:25:17**
